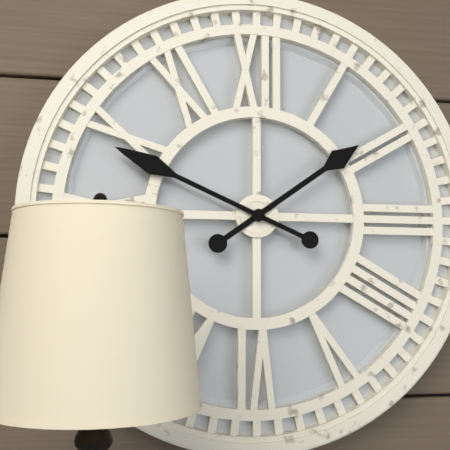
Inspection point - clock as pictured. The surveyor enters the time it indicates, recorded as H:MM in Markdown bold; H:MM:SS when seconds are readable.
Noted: **1:49**
